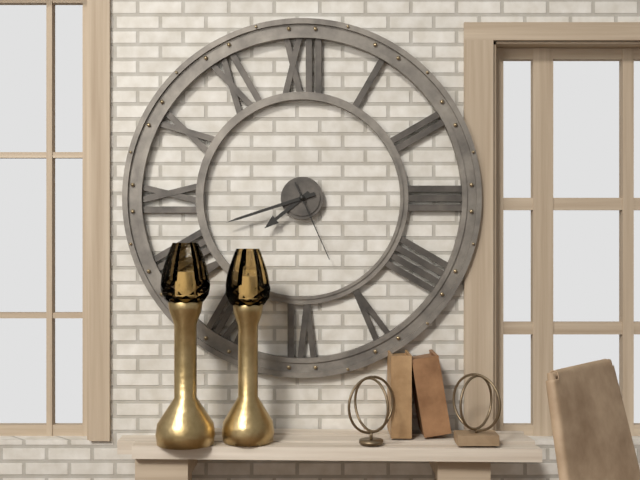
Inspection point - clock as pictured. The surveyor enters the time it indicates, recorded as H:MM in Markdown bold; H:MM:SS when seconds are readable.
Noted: **7:42:26**
